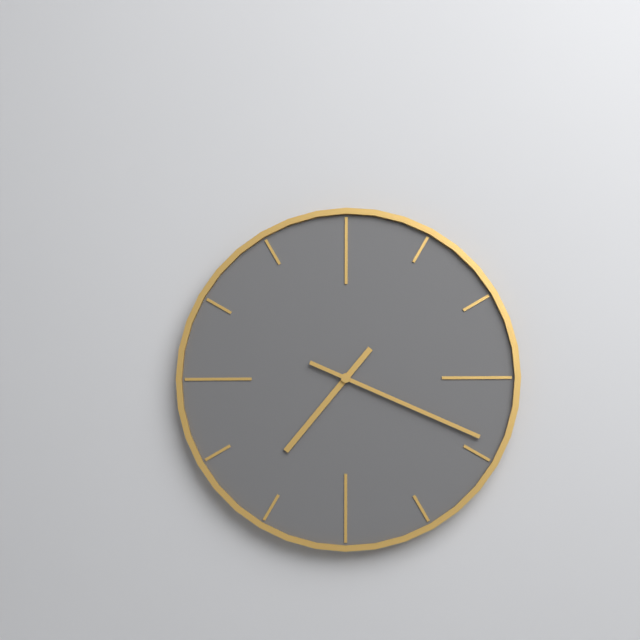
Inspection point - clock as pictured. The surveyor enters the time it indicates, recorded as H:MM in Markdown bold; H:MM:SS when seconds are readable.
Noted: **7:19**
